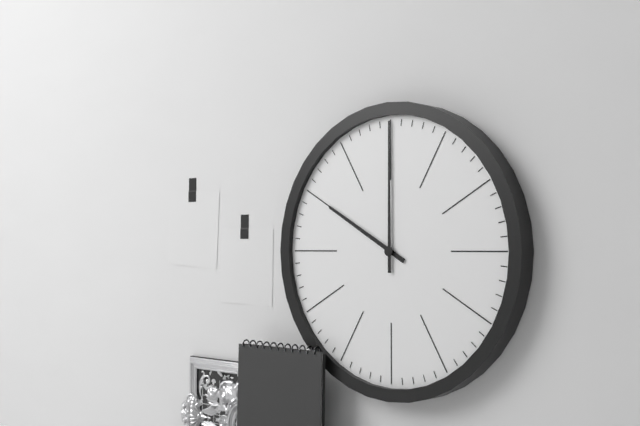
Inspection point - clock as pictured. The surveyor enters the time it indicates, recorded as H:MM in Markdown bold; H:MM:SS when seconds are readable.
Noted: **10:00**
